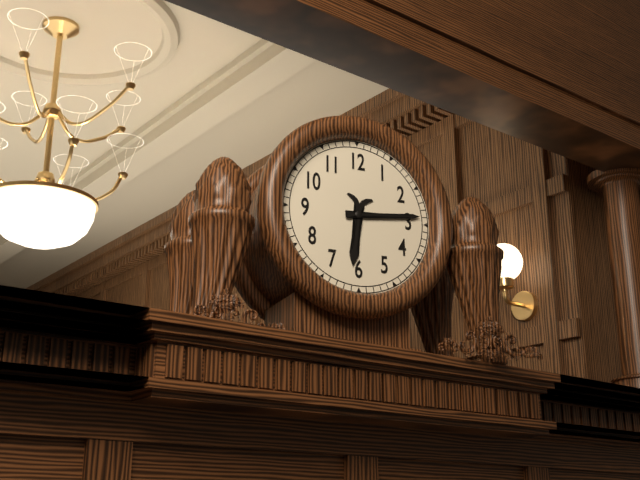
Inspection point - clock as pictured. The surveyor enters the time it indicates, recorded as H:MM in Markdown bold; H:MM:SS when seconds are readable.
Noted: **6:14**
